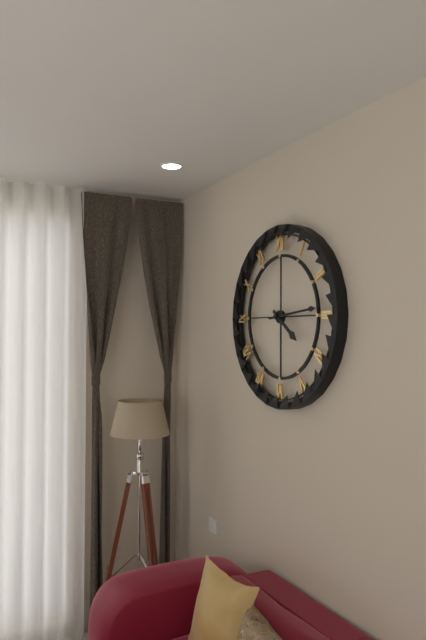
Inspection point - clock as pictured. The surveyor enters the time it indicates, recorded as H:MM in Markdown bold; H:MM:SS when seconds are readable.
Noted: **4:14**
